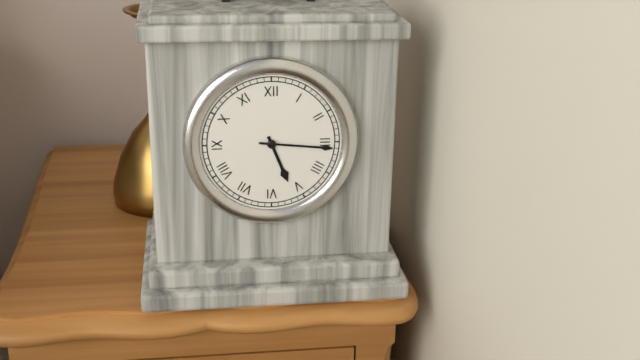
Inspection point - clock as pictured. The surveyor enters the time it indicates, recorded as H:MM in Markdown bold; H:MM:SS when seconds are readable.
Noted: **5:16**
